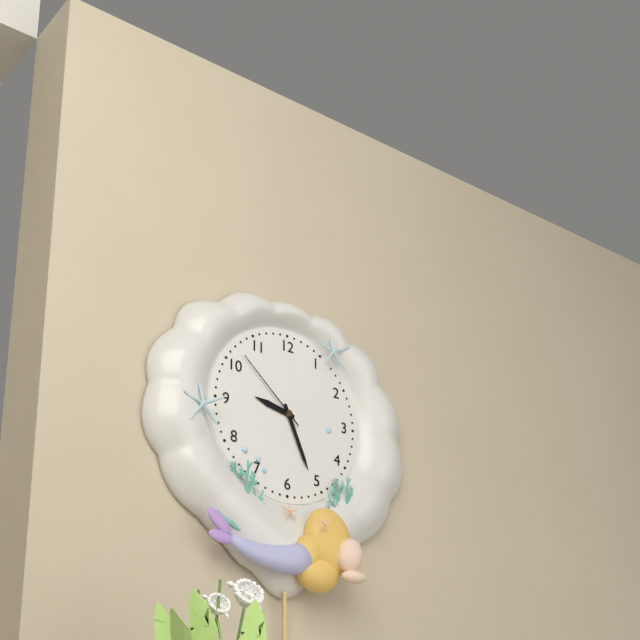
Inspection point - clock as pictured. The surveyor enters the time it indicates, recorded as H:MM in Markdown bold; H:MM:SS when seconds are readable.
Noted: **9:26:52**
